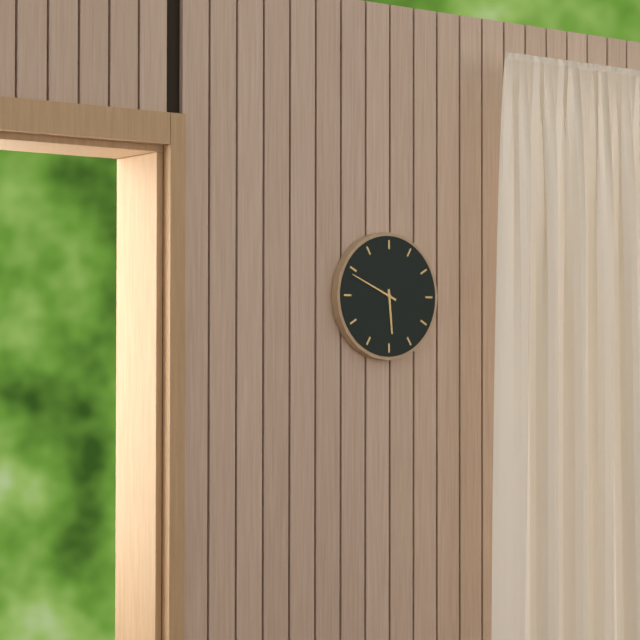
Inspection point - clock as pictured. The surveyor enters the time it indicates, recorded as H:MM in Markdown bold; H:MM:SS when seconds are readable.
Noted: **5:49**
